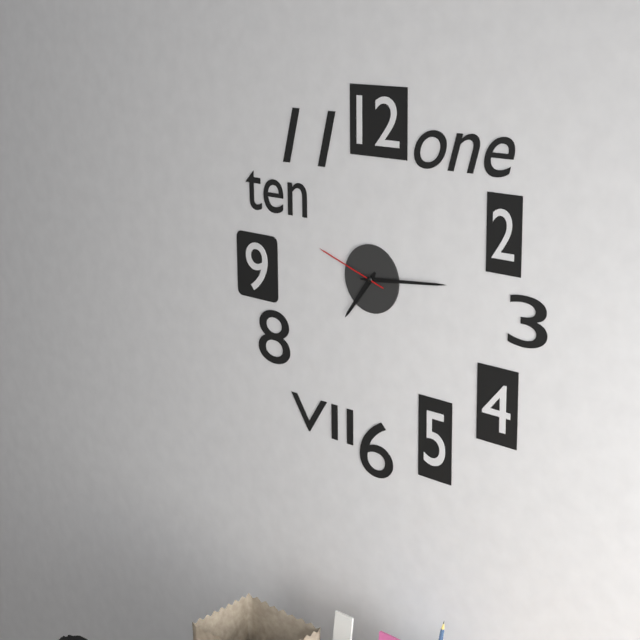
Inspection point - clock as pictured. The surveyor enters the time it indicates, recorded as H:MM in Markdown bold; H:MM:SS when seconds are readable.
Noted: **7:14:48**
